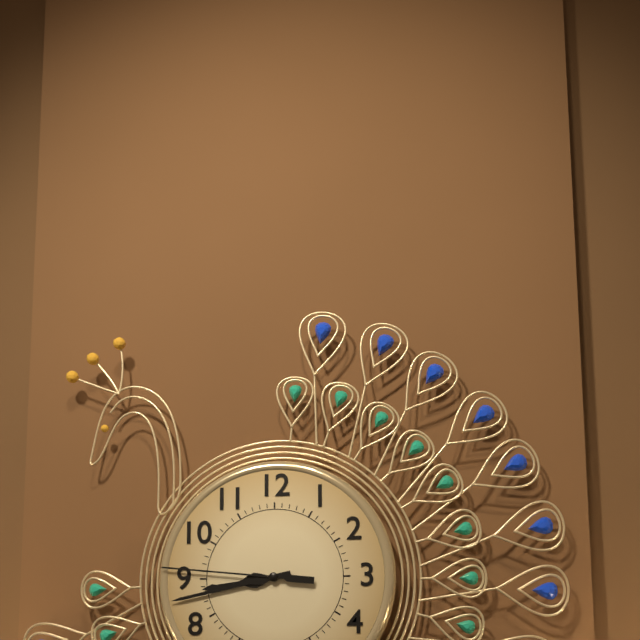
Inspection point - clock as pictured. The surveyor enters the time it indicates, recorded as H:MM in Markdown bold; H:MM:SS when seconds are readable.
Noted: **8:43:46**
